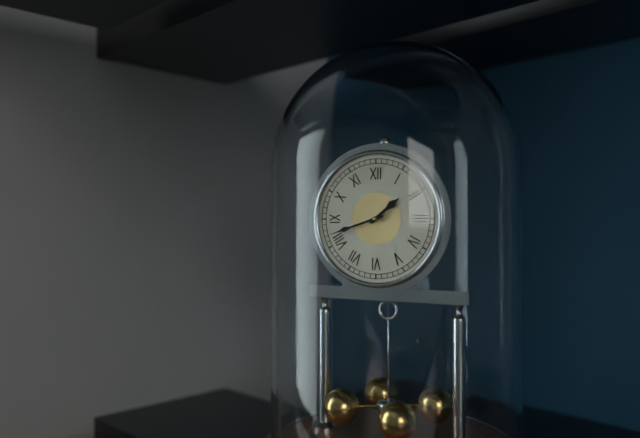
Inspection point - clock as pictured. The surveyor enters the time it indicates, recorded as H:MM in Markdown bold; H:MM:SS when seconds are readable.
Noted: **1:42**
